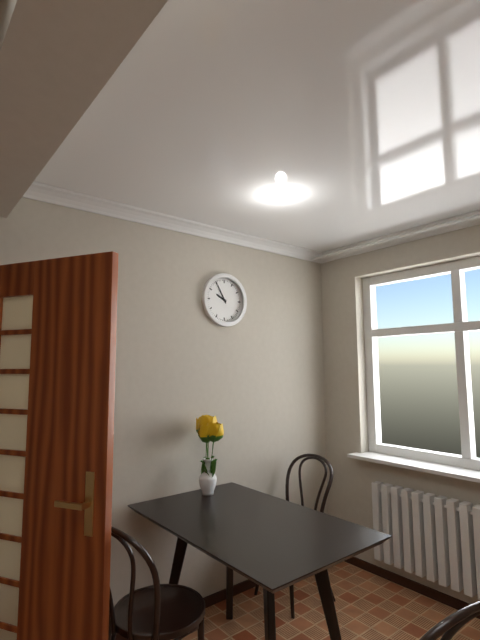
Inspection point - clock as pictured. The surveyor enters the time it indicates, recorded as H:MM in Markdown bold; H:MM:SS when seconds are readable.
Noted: **9:55**
